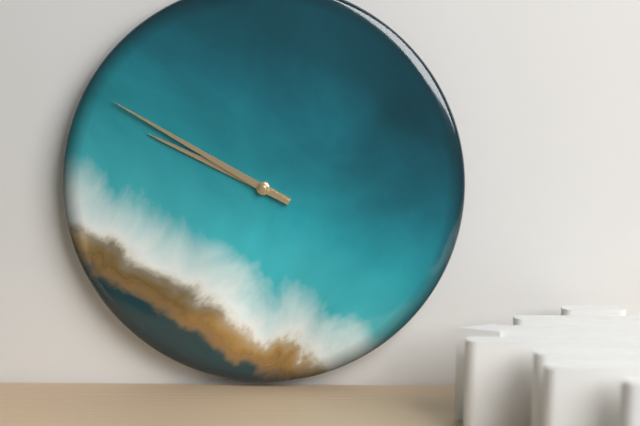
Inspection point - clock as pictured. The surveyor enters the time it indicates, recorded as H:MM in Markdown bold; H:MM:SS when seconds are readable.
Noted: **9:50**
